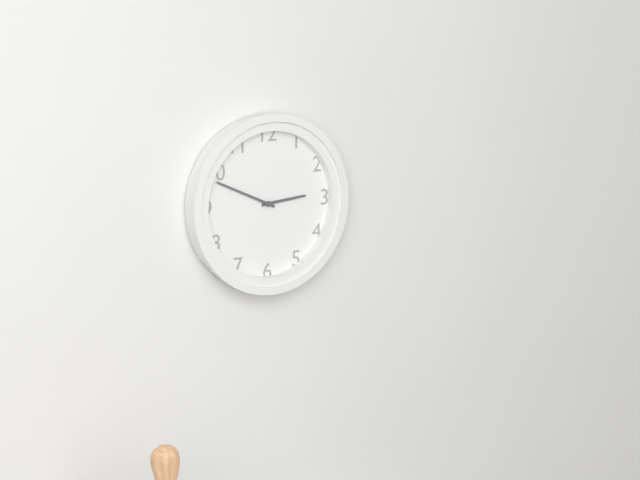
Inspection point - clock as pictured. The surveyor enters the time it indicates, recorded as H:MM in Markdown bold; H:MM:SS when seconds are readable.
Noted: **2:49**
